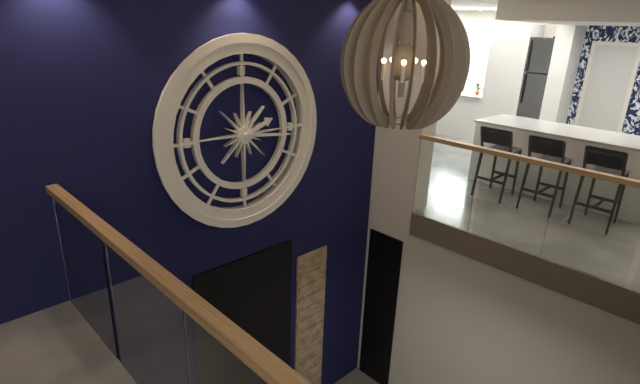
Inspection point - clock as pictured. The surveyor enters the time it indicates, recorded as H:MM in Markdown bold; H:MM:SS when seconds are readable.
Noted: **2:16**
